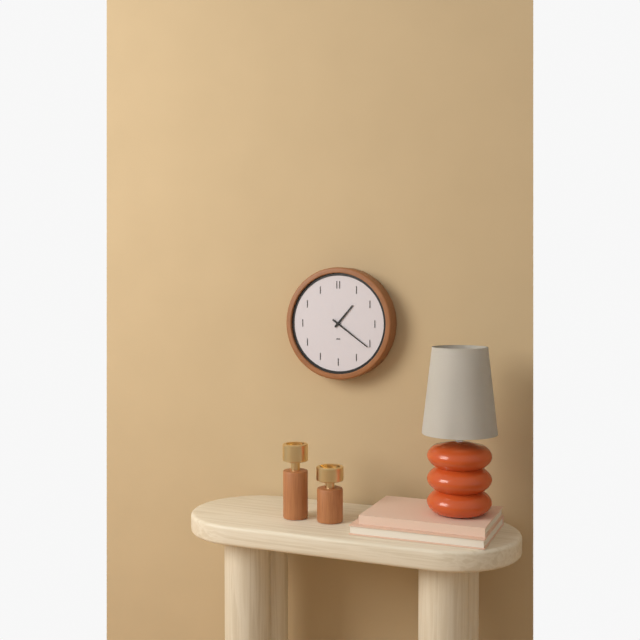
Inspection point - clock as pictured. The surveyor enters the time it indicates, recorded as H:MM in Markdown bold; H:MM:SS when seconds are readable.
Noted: **1:21**
